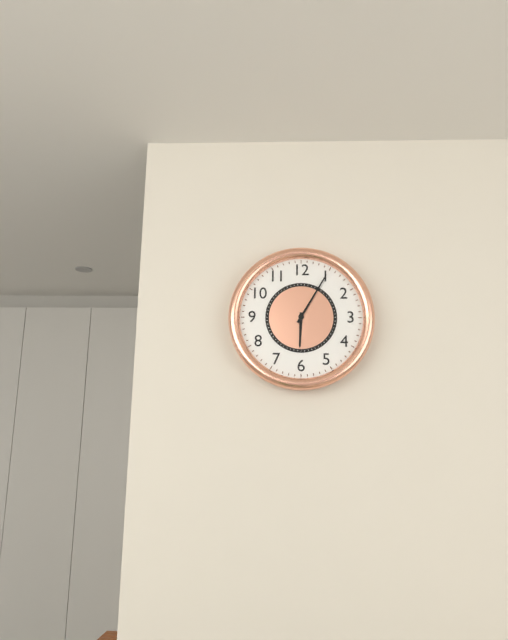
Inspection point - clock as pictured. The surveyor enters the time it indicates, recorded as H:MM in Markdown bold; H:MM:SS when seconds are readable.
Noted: **6:05**
